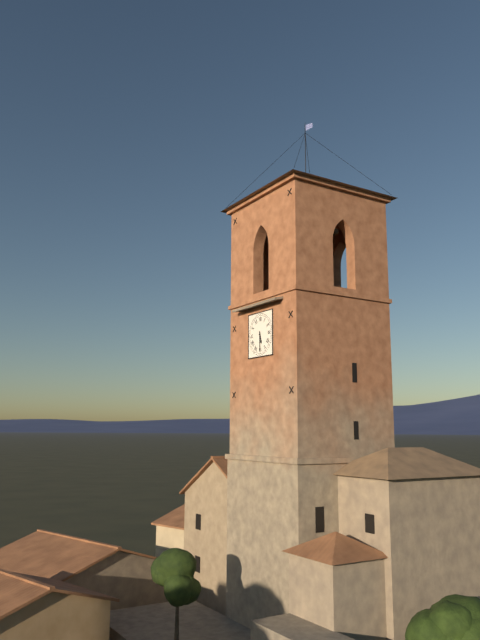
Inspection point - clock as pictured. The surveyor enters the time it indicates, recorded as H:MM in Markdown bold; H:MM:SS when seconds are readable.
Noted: **5:30**
